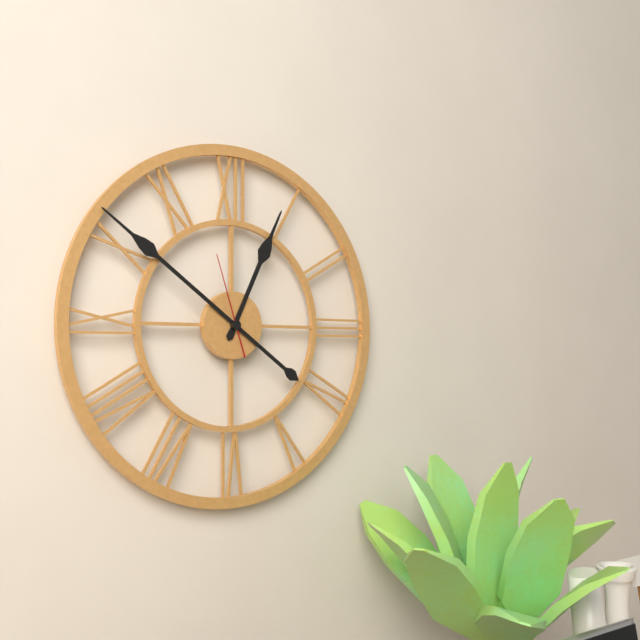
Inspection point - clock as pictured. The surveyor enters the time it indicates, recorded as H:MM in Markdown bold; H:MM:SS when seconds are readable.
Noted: **12:51:57**
